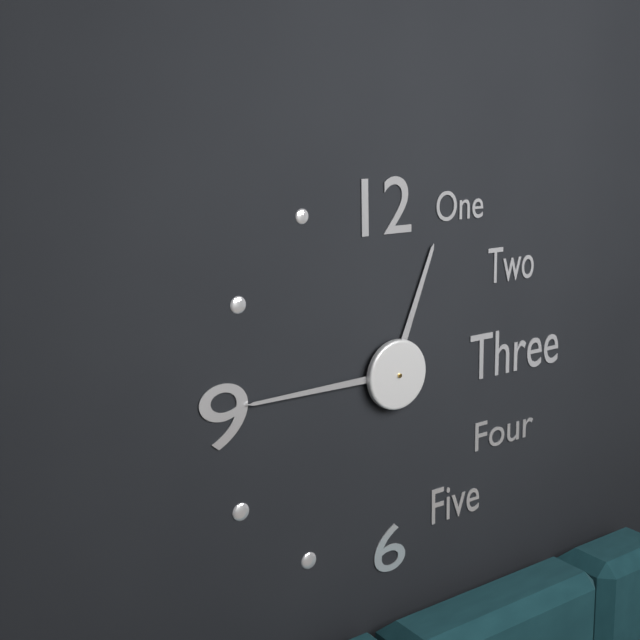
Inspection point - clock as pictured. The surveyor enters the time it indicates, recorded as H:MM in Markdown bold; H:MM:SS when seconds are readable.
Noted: **12:45**
